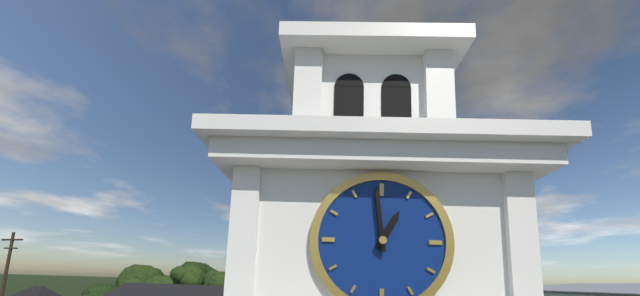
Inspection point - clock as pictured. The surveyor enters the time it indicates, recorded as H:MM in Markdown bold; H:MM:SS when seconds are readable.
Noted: **12:59**
